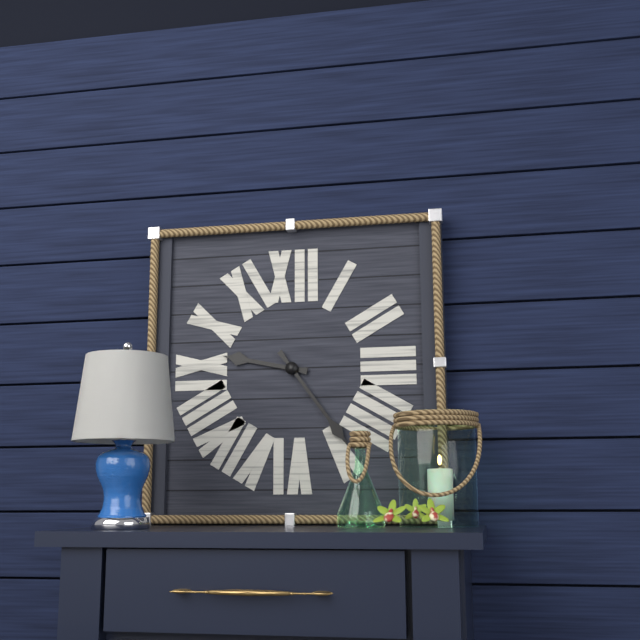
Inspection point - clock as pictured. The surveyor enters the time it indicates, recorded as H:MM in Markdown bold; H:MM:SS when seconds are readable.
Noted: **9:24**
